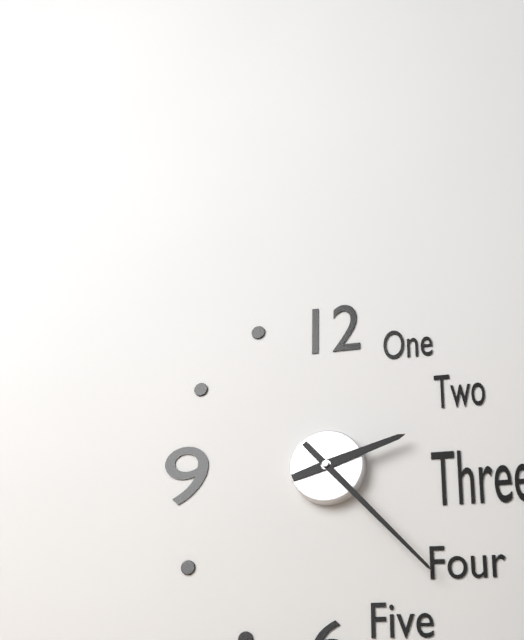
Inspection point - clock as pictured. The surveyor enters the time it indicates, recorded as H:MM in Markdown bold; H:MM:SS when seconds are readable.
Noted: **2:23**
